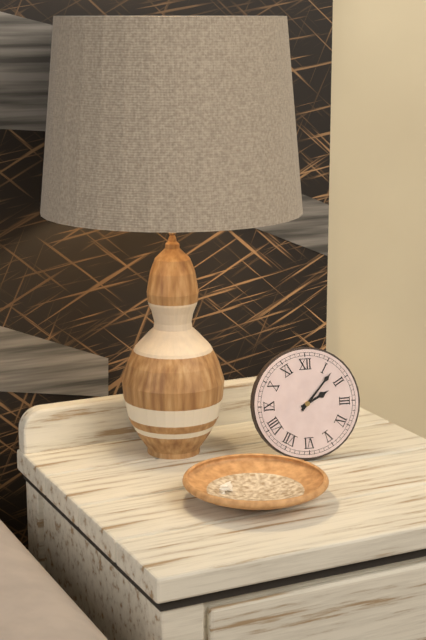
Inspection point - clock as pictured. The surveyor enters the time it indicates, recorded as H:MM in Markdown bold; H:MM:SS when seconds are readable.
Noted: **2:07**
